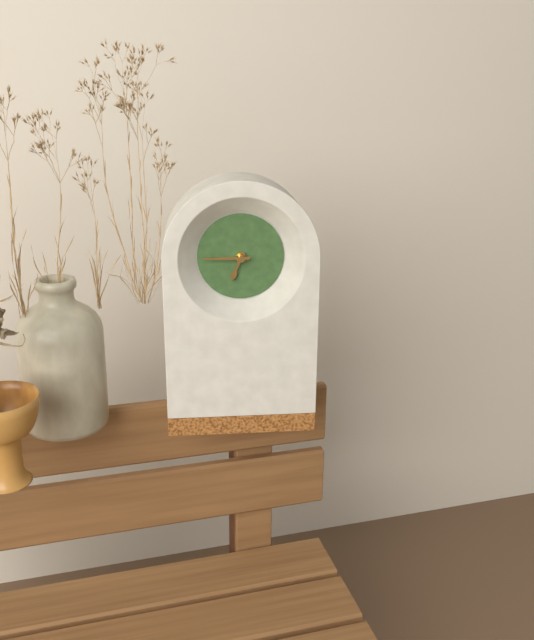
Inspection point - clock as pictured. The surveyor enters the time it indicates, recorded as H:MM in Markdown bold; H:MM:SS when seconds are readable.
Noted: **6:45**
